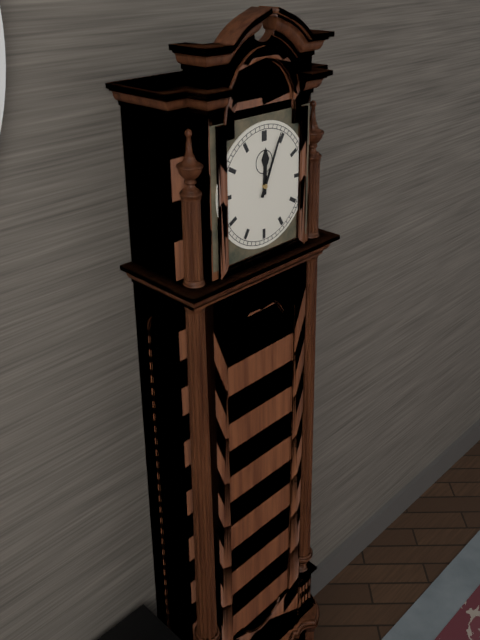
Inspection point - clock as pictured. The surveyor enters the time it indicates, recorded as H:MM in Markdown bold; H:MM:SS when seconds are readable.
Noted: **12:04**
